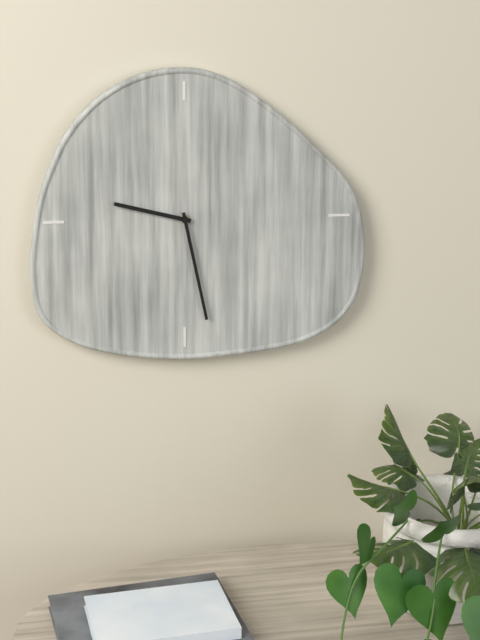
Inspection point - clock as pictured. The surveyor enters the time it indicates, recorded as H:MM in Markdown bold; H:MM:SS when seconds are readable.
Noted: **9:28**
